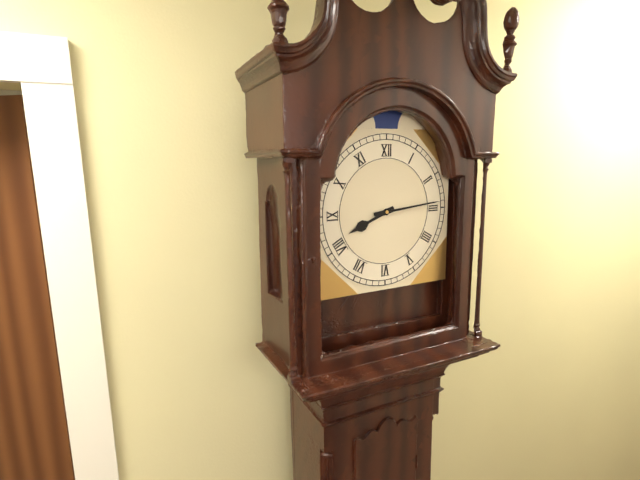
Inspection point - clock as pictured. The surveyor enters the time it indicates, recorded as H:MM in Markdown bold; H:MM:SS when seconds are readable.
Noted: **8:14**
